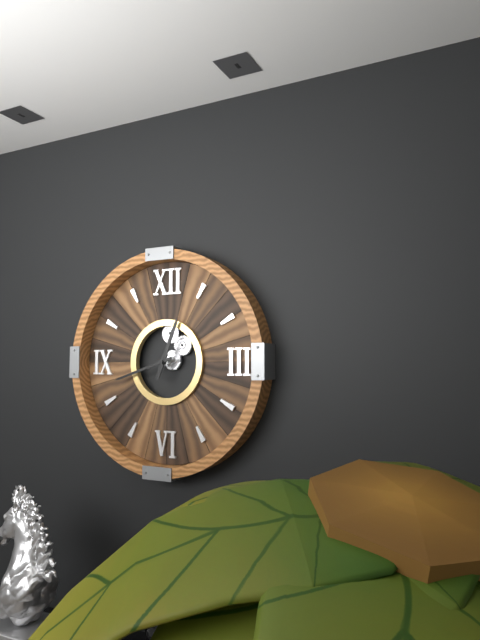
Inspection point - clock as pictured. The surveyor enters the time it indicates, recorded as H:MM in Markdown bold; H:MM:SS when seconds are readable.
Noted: **12:42**
